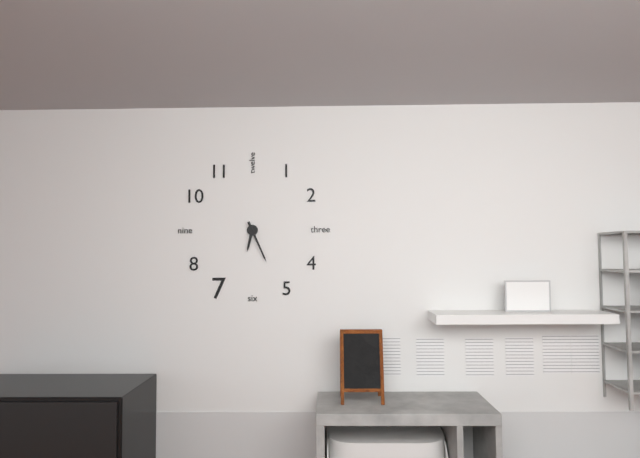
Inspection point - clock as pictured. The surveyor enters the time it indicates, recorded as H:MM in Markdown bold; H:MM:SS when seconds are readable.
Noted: **6:26**
